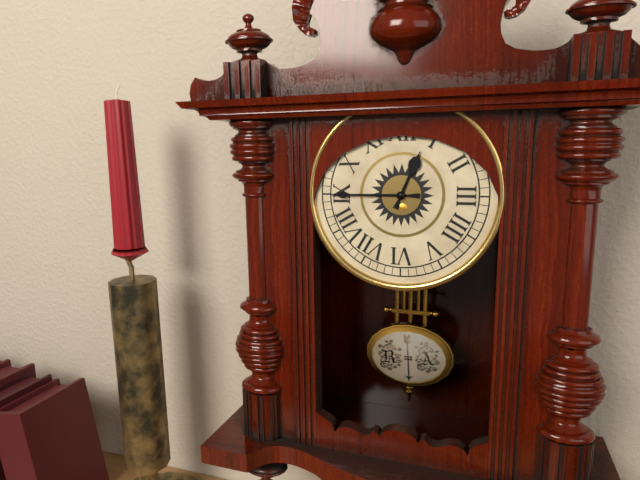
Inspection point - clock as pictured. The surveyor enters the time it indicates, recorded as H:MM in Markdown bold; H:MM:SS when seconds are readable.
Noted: **12:45**
